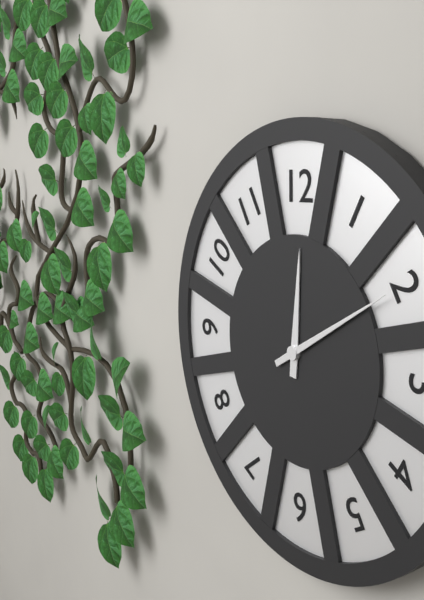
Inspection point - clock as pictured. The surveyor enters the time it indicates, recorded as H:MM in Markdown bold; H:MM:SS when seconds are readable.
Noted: **12:10**
